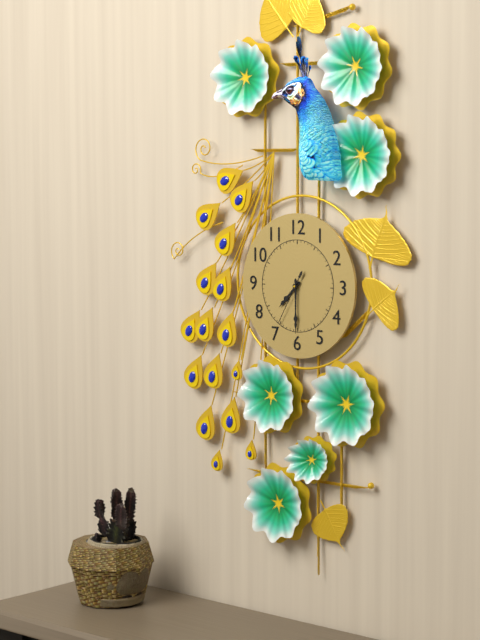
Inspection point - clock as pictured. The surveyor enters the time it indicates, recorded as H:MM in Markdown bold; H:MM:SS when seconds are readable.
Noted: **7:30:35**
